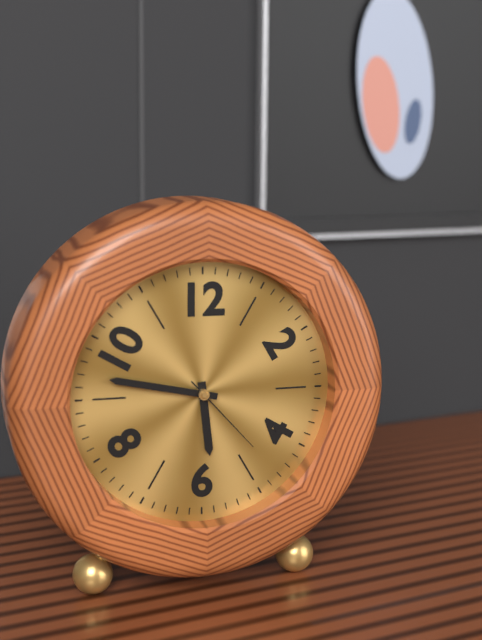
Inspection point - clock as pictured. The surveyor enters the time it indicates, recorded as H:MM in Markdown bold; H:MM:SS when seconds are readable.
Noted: **5:47:23**
